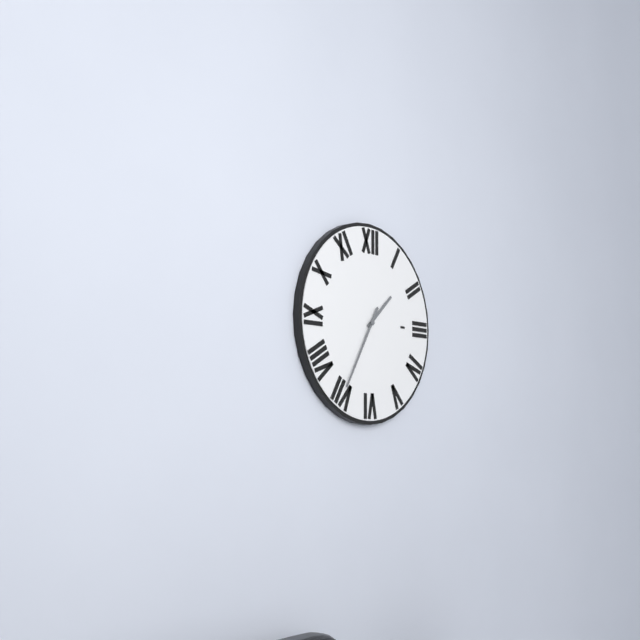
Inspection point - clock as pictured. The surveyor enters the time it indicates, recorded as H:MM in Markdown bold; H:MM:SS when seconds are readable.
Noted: **1:35**
